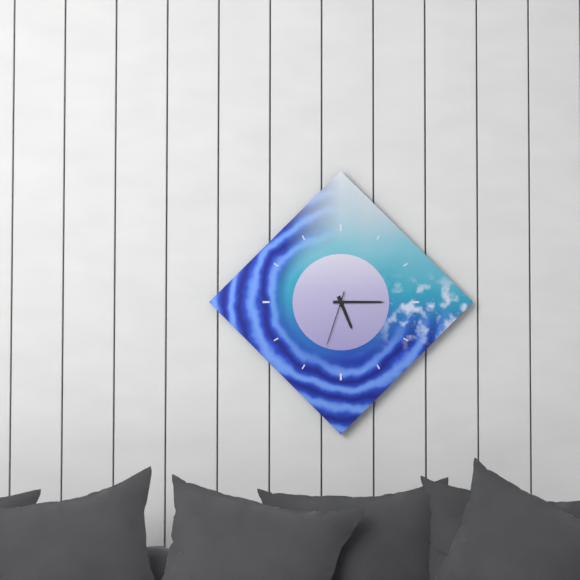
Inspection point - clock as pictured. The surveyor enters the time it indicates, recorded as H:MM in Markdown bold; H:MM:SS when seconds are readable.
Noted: **5:15:33**
